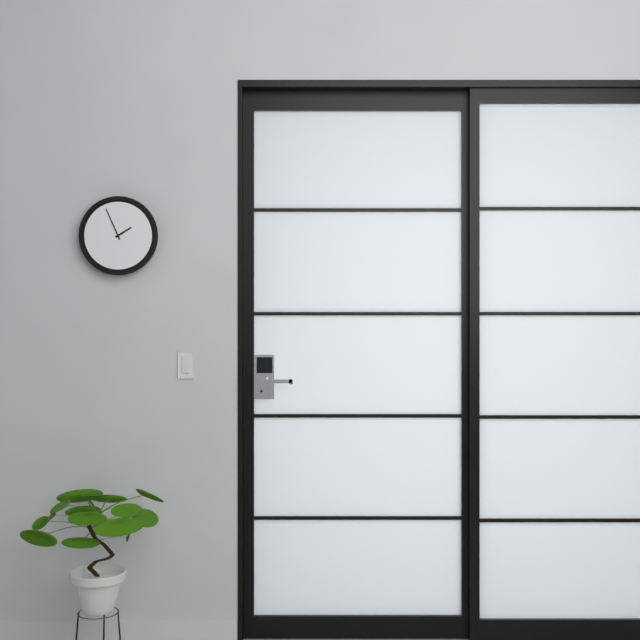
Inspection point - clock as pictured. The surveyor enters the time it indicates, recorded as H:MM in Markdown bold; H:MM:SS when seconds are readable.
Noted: **1:56**
